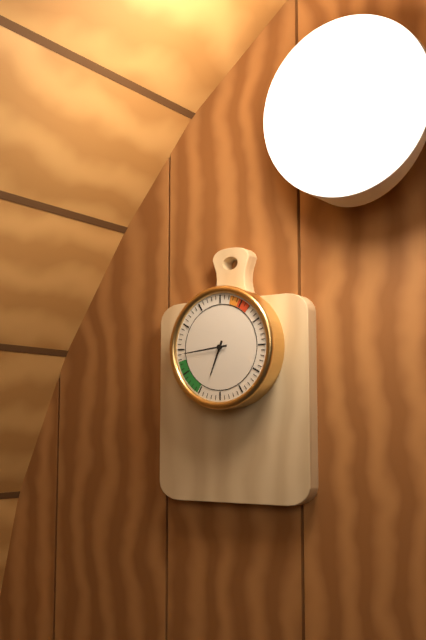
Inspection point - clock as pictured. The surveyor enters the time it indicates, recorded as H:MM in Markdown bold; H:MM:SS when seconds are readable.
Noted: **6:44**
